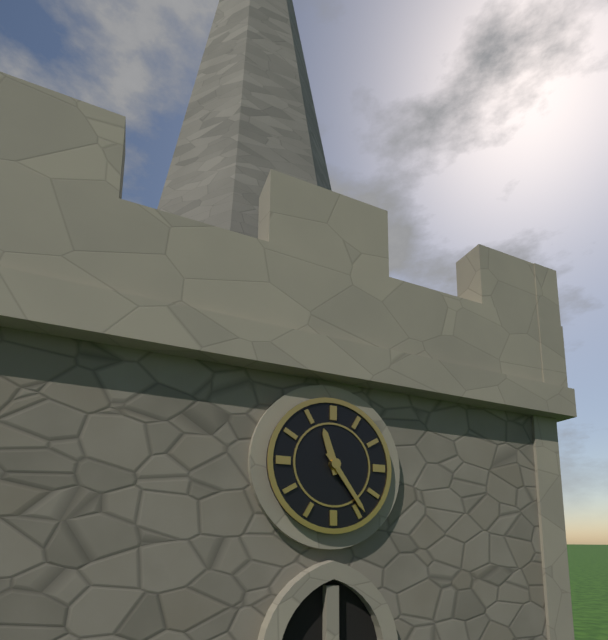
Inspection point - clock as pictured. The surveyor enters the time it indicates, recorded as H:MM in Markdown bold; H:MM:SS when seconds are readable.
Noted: **11:24**
